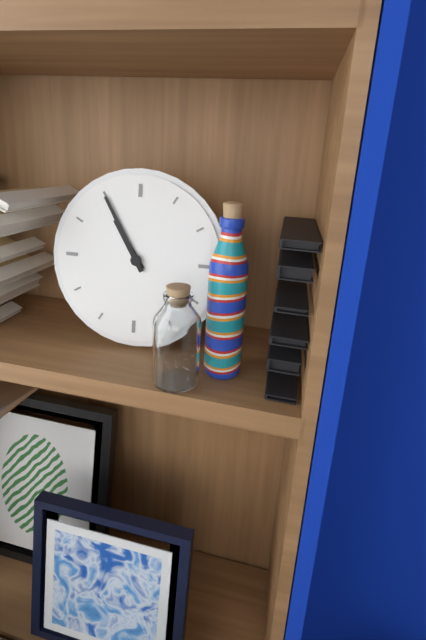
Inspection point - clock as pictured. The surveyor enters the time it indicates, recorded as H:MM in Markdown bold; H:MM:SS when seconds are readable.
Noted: **10:55**
